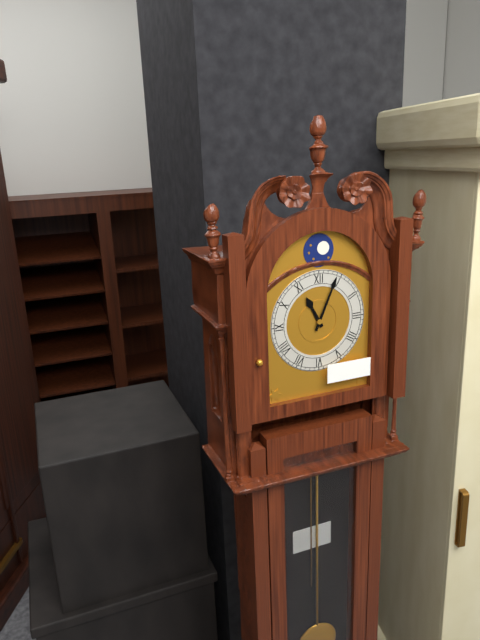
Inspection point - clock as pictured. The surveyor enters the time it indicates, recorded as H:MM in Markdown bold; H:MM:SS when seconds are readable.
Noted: **11:04**
